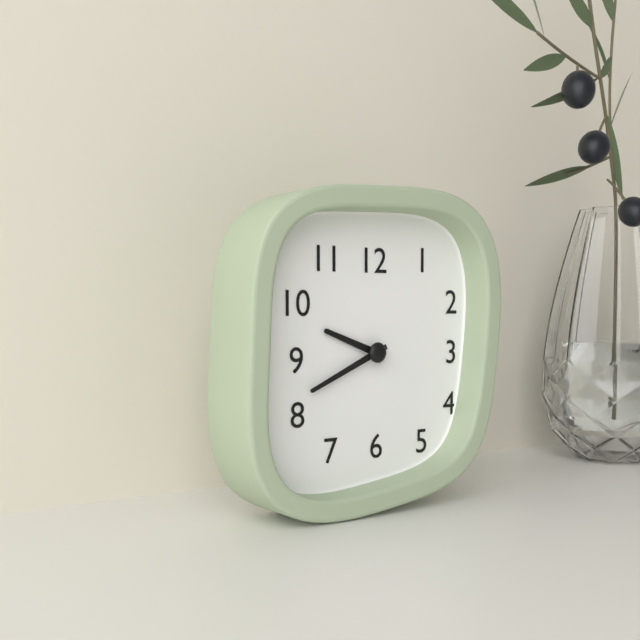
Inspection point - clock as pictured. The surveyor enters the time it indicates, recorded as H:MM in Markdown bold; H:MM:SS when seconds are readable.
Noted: **9:41**
